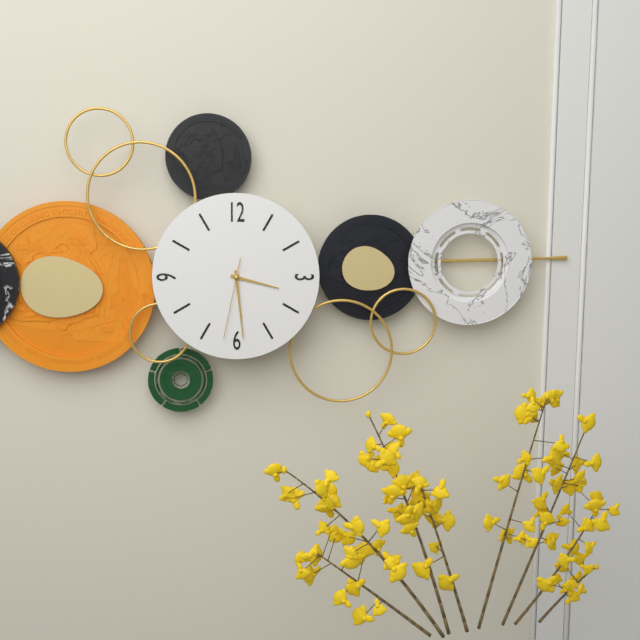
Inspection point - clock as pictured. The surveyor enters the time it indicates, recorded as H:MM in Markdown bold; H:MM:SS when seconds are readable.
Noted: **3:29:32**
